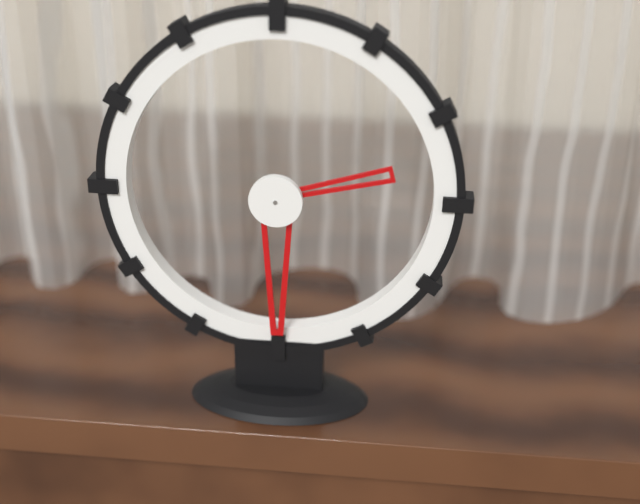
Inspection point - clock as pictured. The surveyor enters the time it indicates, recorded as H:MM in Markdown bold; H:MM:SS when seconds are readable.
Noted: **2:30**
